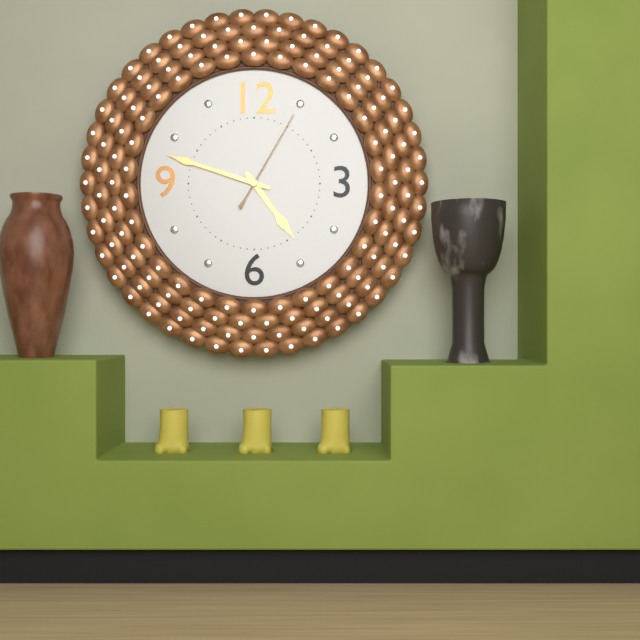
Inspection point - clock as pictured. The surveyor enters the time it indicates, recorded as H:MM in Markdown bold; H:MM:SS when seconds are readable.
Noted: **4:48:05**
